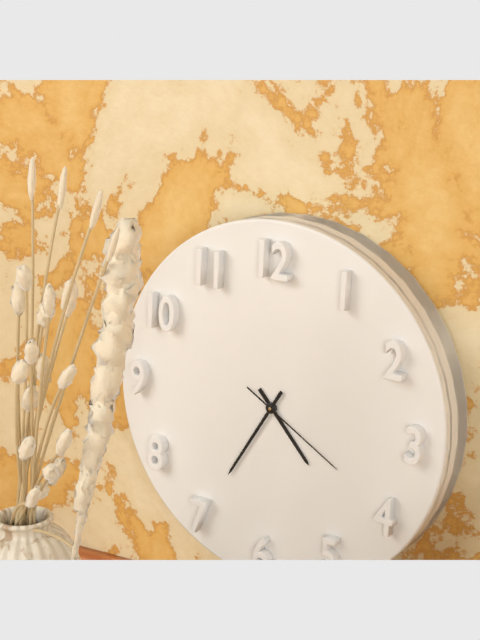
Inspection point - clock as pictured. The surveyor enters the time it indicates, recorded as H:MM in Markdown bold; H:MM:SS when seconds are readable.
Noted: **4:35:20**
